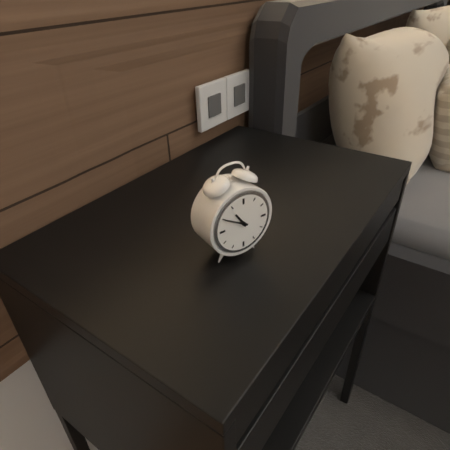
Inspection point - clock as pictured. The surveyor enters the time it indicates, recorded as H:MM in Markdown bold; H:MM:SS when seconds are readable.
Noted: **10:50**
